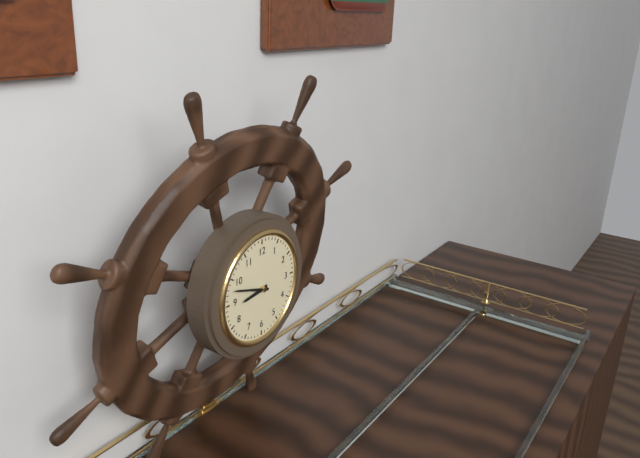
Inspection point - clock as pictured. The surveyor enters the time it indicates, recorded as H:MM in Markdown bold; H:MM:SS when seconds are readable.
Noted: **8:48**
